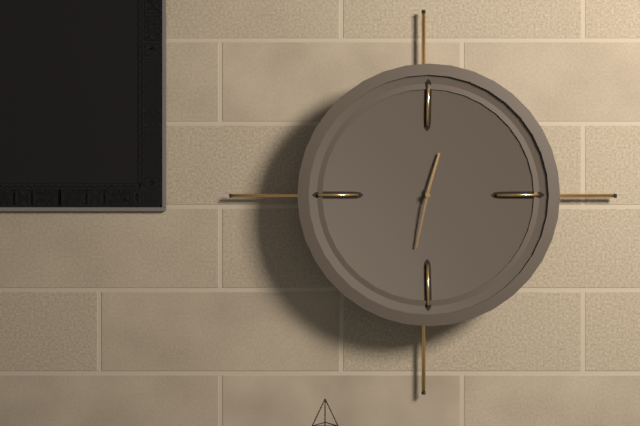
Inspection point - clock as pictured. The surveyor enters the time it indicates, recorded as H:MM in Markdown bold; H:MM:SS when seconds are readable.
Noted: **12:32**
